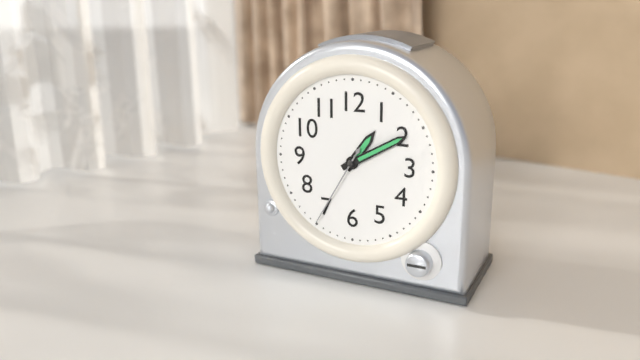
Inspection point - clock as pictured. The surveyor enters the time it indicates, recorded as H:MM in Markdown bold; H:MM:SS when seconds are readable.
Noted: **1:10:35**
